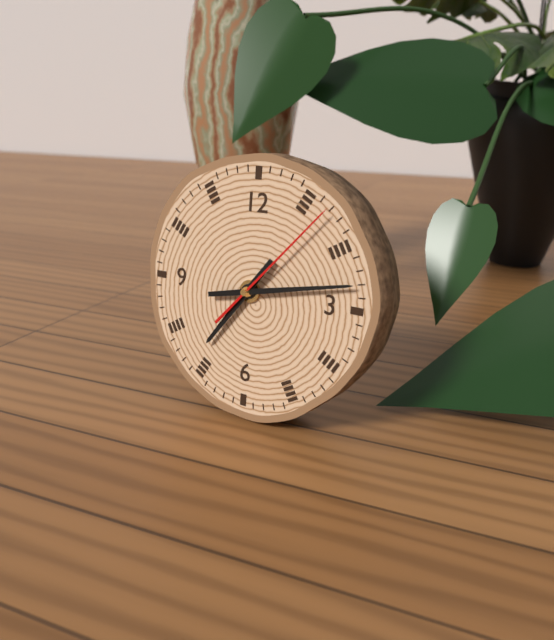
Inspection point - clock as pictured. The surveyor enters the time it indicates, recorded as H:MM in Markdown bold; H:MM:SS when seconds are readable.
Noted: **7:13:07**
